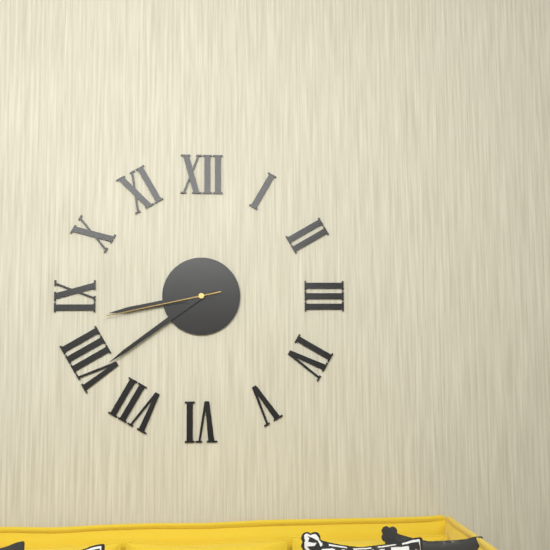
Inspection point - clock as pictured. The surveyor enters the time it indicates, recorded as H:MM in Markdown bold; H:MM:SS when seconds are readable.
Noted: **8:39:43**
